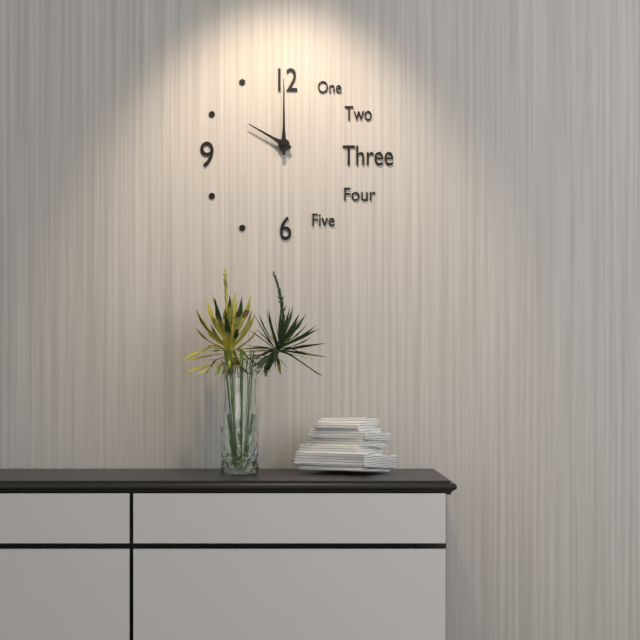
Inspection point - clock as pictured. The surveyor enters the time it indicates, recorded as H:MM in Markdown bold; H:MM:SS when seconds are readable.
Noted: **10:00**
